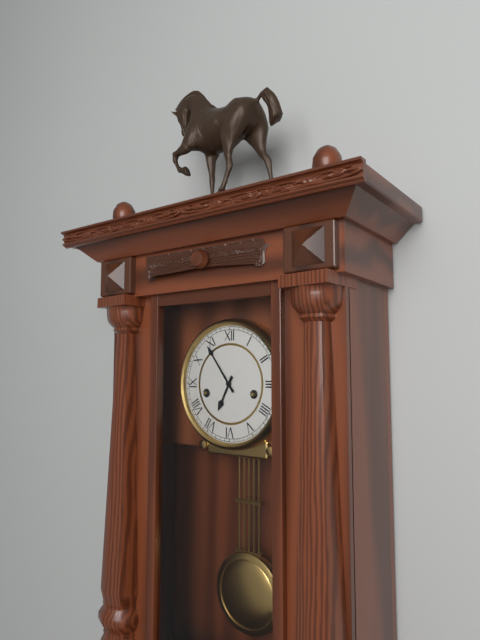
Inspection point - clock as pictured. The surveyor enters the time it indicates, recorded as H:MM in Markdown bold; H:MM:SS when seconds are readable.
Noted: **6:54**
